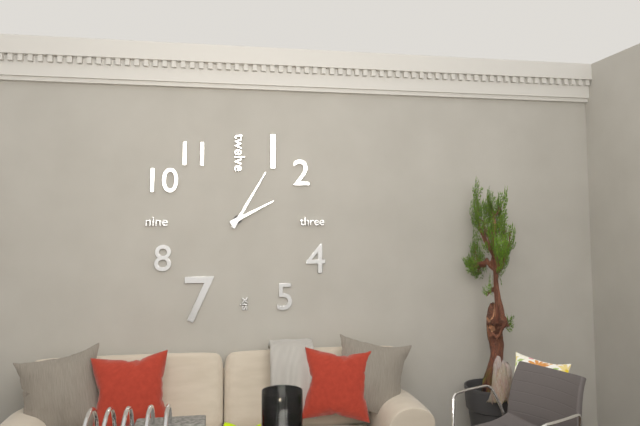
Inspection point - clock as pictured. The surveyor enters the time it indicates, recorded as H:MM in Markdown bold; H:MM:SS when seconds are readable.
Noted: **2:05**
